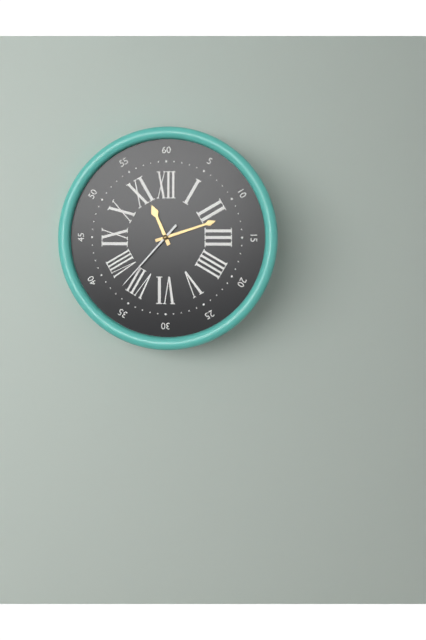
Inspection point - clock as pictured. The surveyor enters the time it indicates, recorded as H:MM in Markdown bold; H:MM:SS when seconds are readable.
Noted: **11:12:37**
